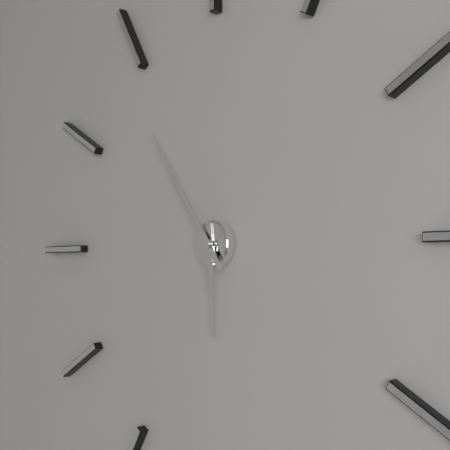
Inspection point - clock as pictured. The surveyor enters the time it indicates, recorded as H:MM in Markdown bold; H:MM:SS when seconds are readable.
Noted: **5:54**
